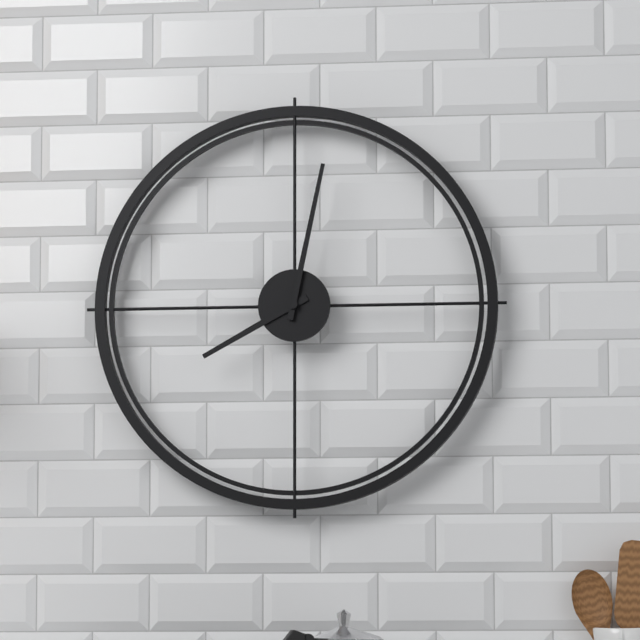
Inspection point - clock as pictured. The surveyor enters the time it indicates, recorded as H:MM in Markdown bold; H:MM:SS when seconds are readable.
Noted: **8:02**
